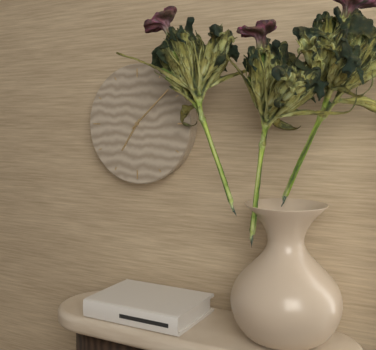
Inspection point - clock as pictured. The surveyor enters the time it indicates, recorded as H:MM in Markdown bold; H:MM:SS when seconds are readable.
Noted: **7:08**
